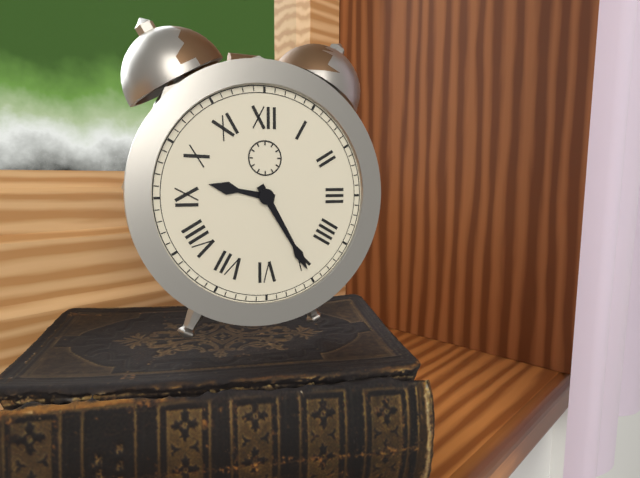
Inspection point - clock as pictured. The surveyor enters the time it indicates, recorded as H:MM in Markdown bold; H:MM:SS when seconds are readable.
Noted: **9:25**
